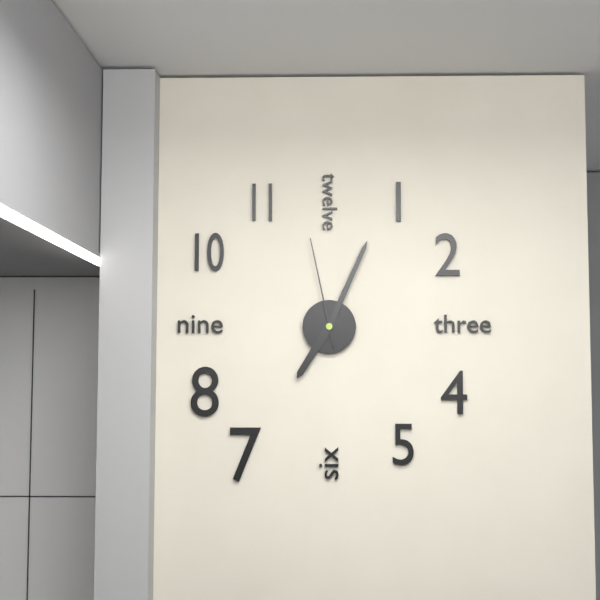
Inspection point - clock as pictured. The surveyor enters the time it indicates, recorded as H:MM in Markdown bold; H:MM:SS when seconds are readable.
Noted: **7:04:58**
